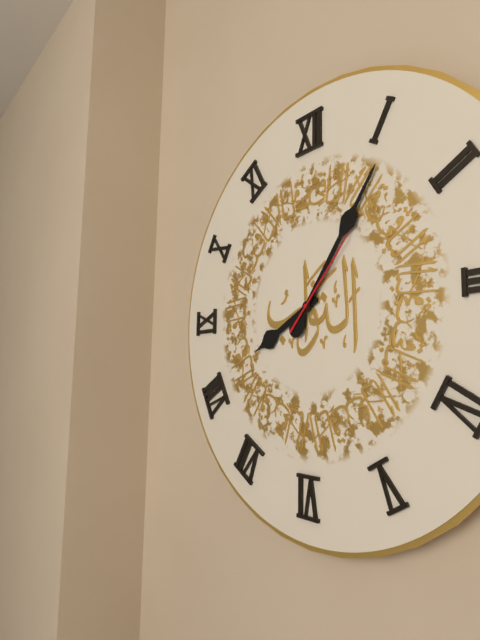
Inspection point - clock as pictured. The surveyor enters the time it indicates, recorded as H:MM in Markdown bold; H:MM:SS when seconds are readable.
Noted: **8:06:07**
